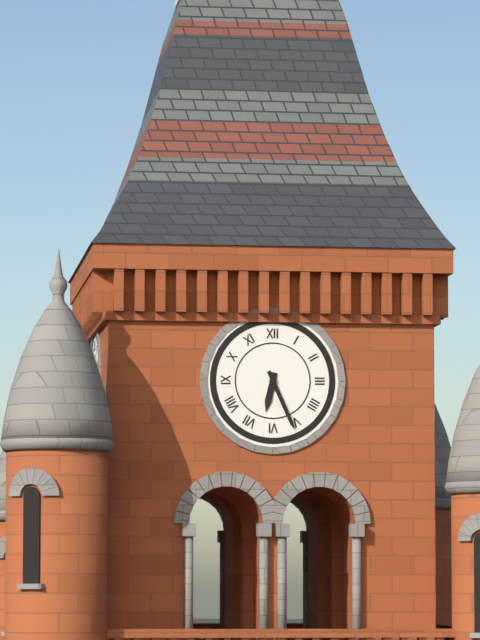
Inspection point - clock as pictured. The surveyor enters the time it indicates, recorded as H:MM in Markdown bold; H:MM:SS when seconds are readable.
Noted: **6:26**
